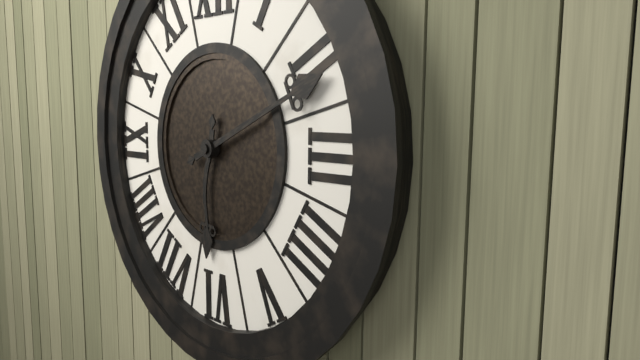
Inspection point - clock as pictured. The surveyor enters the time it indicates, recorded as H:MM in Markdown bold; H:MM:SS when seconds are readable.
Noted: **6:11**
